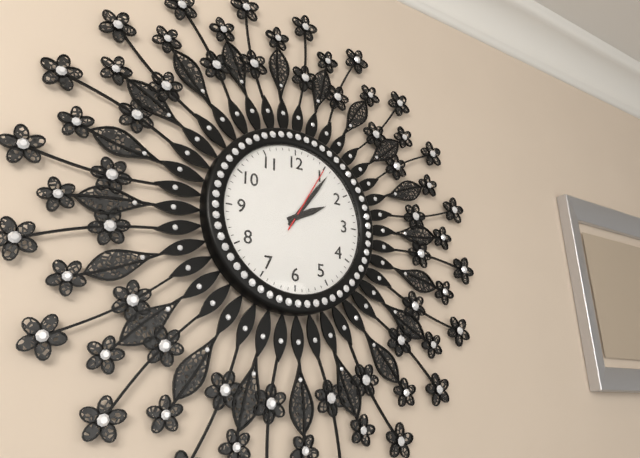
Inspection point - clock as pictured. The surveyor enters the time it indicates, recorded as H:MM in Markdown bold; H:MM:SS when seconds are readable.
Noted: **2:06:05**
